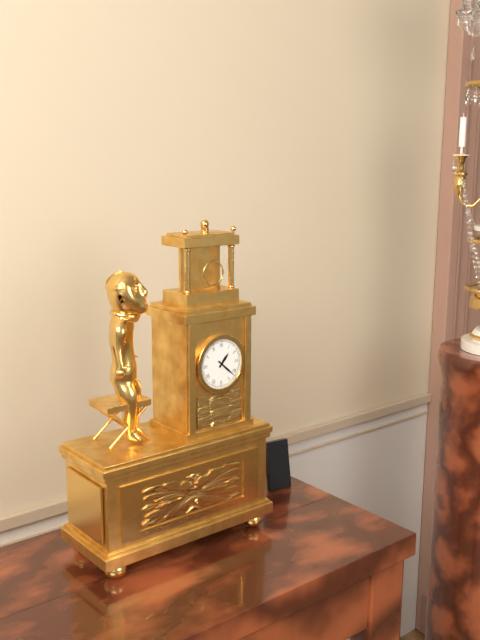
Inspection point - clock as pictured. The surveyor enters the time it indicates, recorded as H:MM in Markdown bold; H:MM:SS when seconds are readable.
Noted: **1:22**
